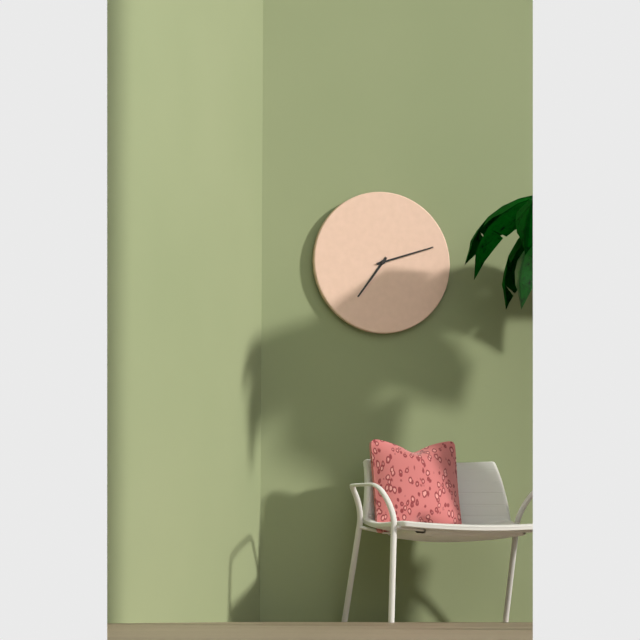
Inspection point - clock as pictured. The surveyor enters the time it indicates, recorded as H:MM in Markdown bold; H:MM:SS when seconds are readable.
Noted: **7:12**
